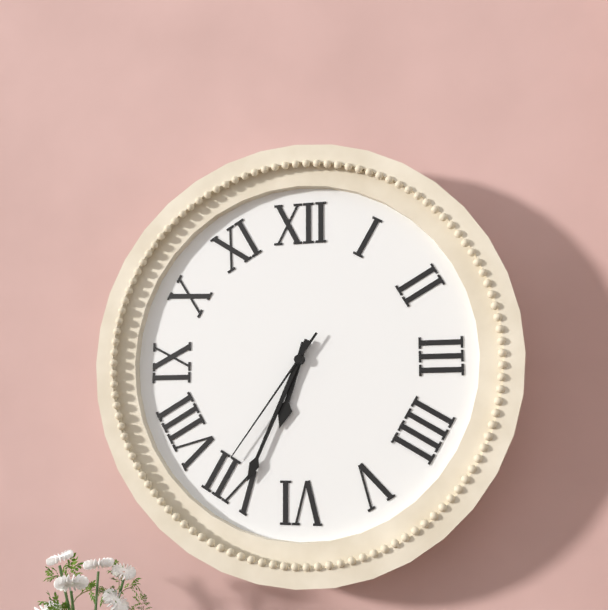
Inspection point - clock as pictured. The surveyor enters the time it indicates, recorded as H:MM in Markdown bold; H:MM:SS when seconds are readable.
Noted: **6:34:36**
